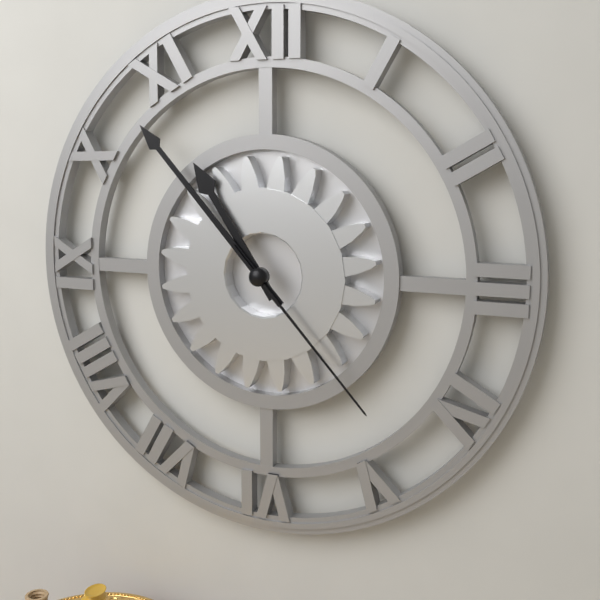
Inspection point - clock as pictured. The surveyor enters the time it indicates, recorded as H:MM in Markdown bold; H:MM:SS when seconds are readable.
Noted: **10:53:23**
